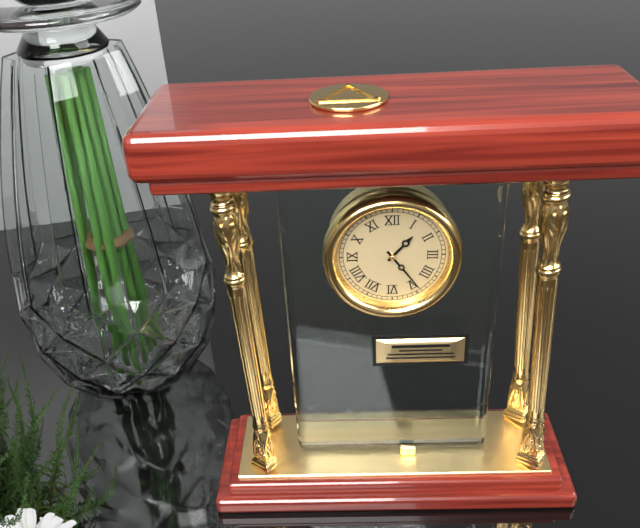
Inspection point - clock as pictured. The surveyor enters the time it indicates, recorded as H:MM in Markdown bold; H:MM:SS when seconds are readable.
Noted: **1:24**
